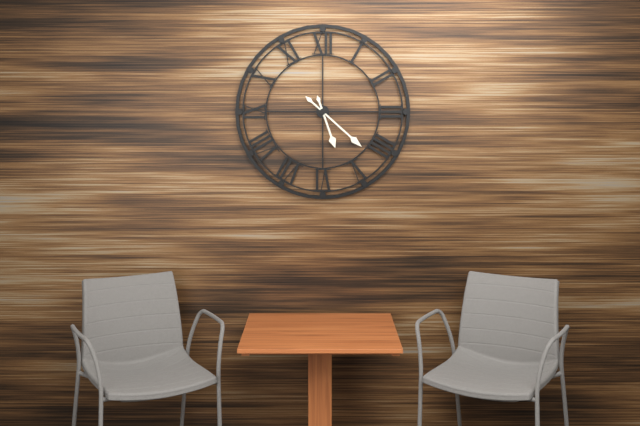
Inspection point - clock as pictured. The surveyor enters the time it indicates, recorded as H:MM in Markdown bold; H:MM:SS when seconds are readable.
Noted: **5:22**
